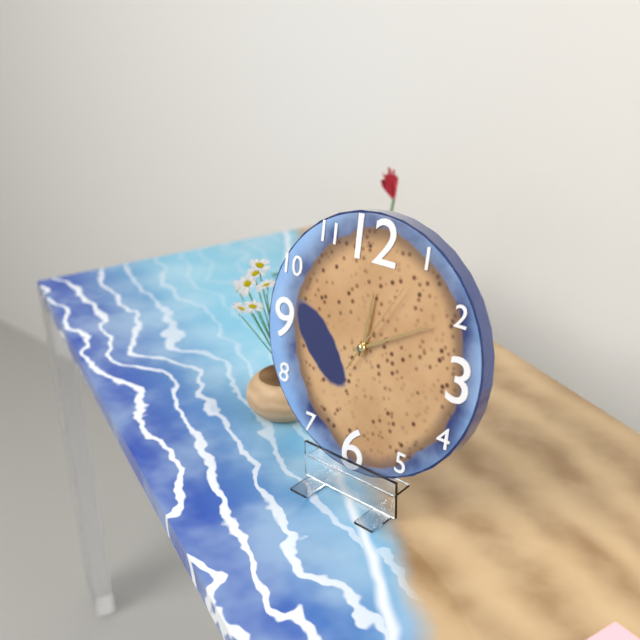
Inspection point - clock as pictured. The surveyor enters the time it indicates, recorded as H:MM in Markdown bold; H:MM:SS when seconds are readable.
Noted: **12:10:05**
